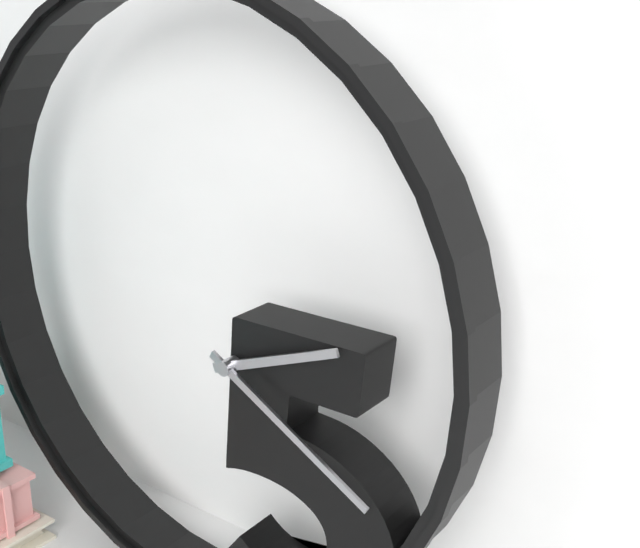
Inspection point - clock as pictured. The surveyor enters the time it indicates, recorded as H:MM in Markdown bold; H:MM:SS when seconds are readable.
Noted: **2:20**
